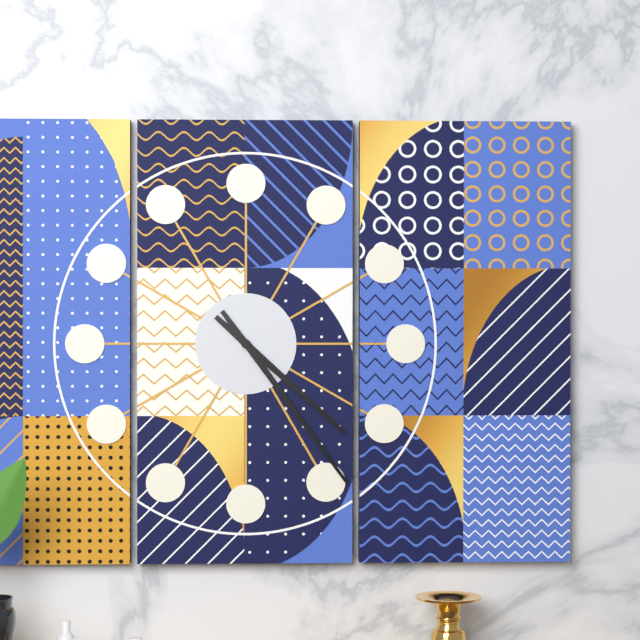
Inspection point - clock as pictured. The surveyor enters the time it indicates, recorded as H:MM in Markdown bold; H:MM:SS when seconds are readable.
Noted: **4:24**
